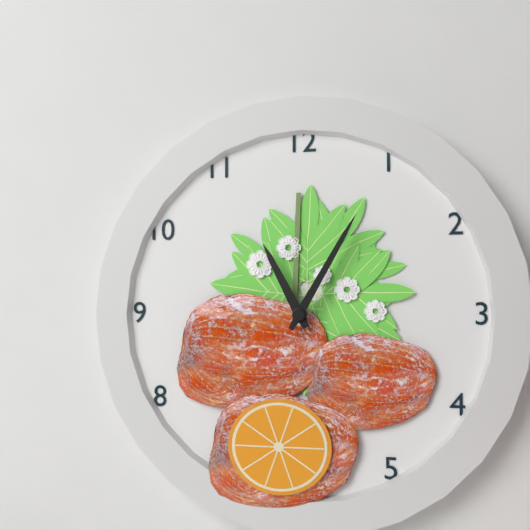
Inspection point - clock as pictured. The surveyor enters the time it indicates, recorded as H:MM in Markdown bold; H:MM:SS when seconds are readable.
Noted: **11:05**
